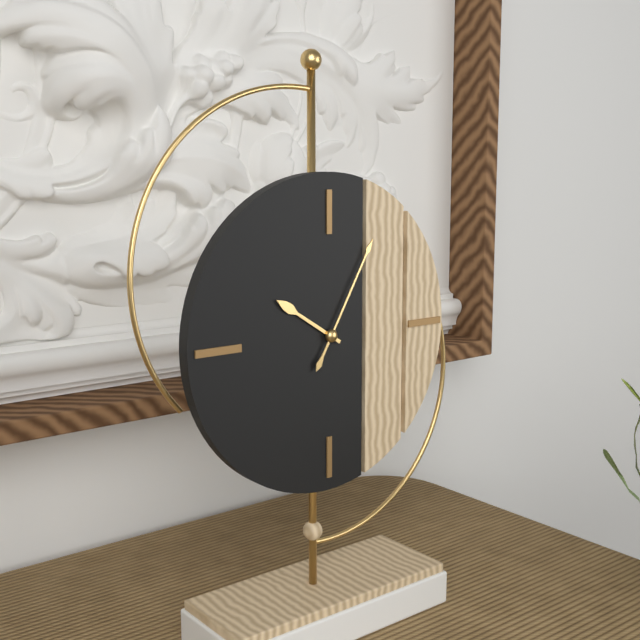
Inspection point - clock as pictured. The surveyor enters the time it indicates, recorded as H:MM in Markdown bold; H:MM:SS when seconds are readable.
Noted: **10:05**
